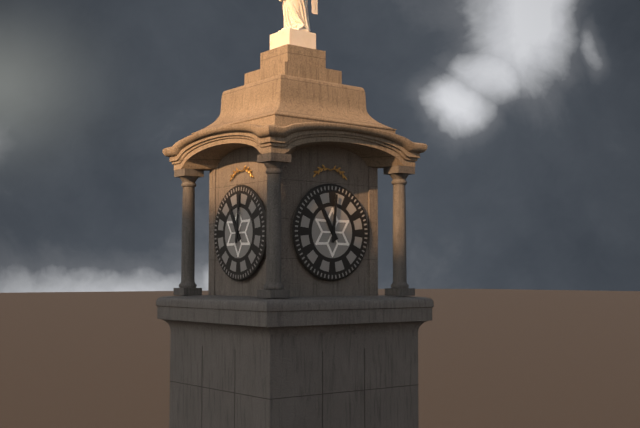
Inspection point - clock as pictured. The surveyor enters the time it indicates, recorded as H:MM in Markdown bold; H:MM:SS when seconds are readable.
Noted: **11:01**
